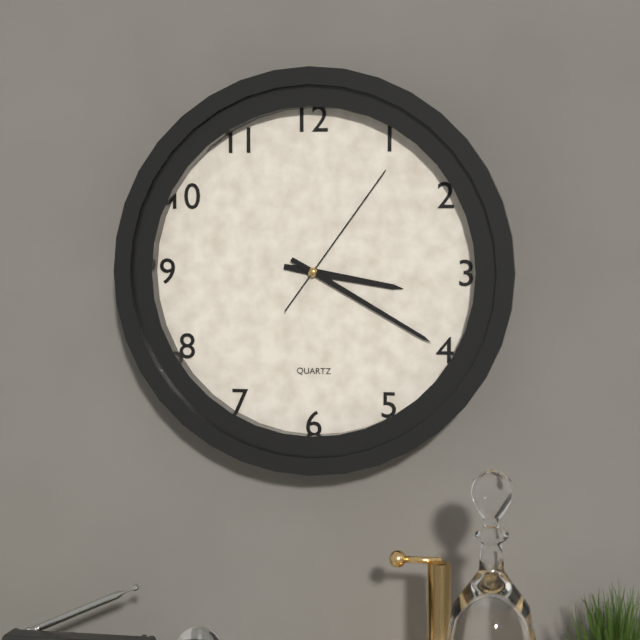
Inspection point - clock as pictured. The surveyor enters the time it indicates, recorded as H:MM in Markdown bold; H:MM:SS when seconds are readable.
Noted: **3:20:06**
